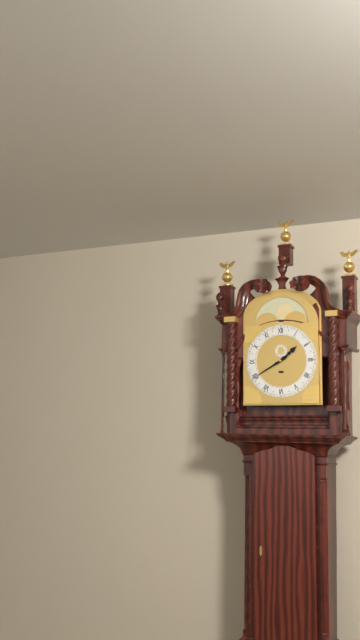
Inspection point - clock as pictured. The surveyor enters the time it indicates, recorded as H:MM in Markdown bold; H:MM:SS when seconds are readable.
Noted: **1:40**
